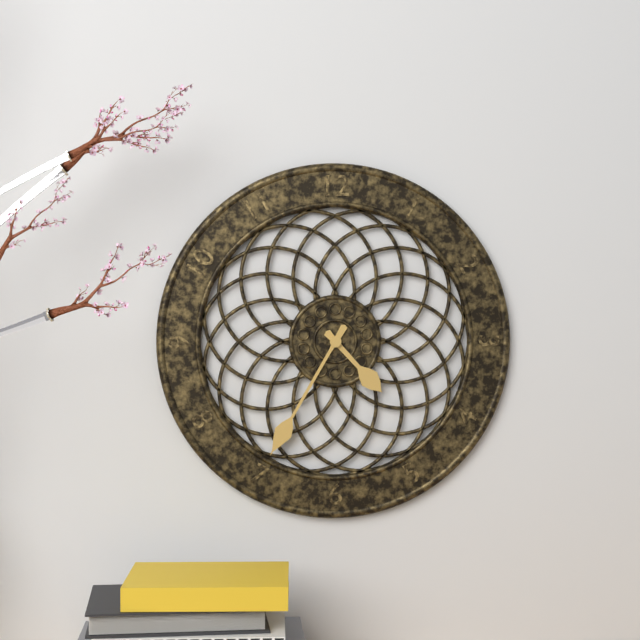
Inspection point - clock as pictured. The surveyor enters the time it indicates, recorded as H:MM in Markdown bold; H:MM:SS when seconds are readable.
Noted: **4:35**
